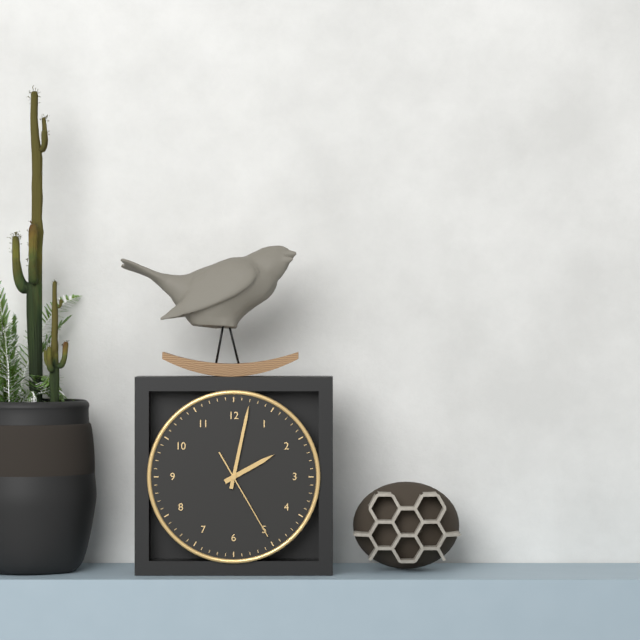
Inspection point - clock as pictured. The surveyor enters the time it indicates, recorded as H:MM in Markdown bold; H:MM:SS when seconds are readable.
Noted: **2:02:25**
